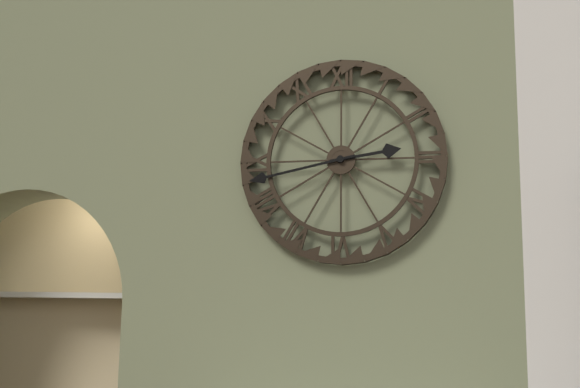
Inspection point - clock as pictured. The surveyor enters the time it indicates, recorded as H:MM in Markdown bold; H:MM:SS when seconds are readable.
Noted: **2:43**
